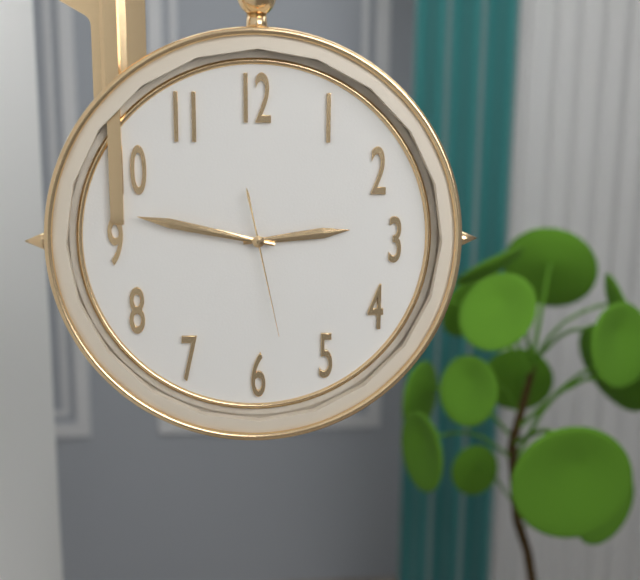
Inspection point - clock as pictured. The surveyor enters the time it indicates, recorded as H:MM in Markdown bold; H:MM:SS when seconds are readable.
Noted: **2:47:28**
